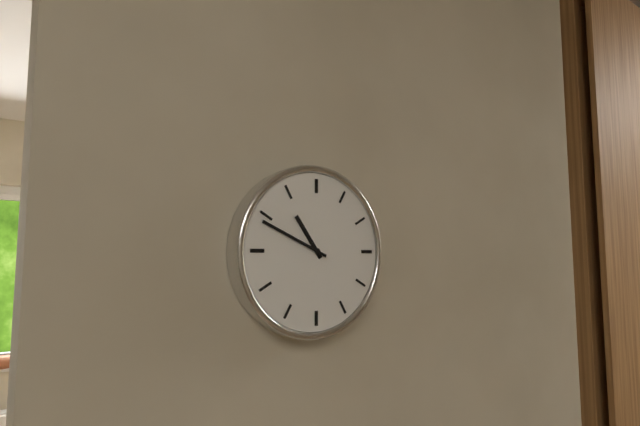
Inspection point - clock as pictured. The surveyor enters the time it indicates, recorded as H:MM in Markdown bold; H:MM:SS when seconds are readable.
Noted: **10:49**
